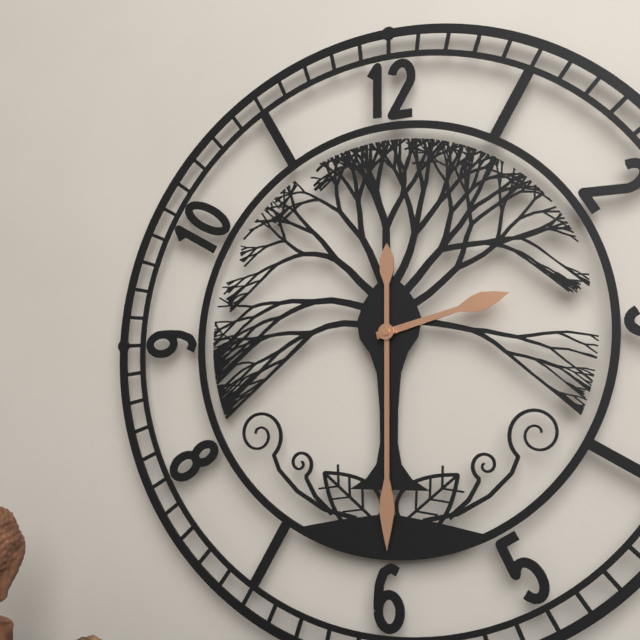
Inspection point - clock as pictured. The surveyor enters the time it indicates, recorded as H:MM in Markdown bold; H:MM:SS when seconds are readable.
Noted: **2:30**
